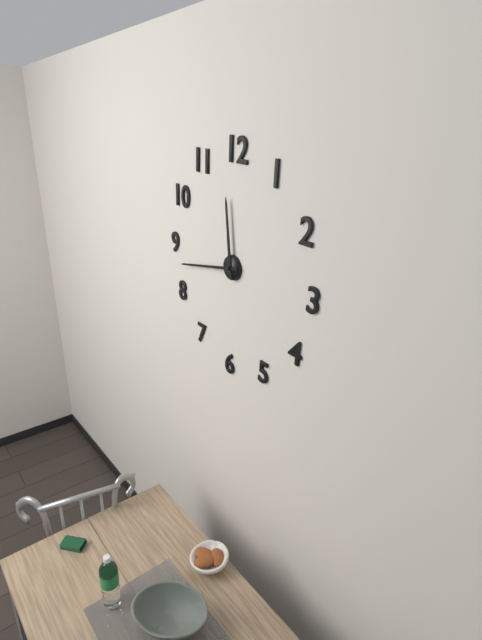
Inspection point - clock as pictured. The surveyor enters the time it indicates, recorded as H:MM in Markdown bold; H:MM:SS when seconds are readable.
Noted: **11:43**
